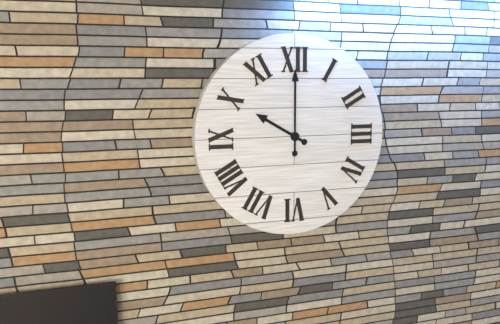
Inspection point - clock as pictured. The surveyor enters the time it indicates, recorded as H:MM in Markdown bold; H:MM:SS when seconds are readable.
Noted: **10:00**
